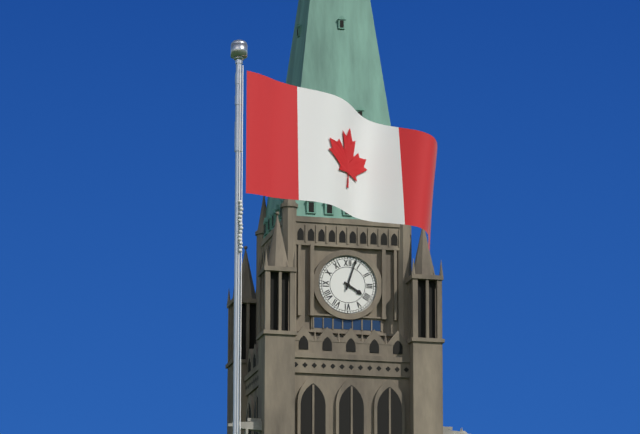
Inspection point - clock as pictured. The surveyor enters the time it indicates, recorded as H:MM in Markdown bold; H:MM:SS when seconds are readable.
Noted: **4:03**
